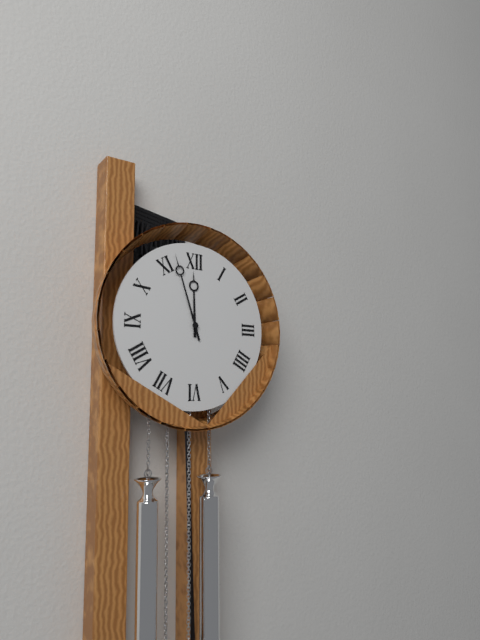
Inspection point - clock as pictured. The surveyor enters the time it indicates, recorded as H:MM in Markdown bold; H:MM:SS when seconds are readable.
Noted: **11:57**
